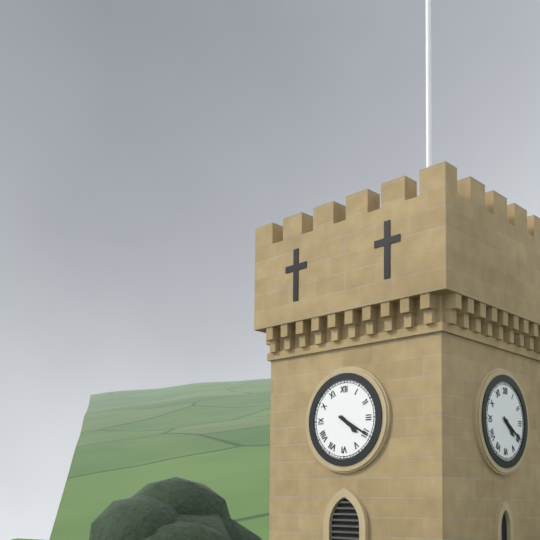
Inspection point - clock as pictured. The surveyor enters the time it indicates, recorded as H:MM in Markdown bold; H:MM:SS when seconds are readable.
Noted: **4:20**
